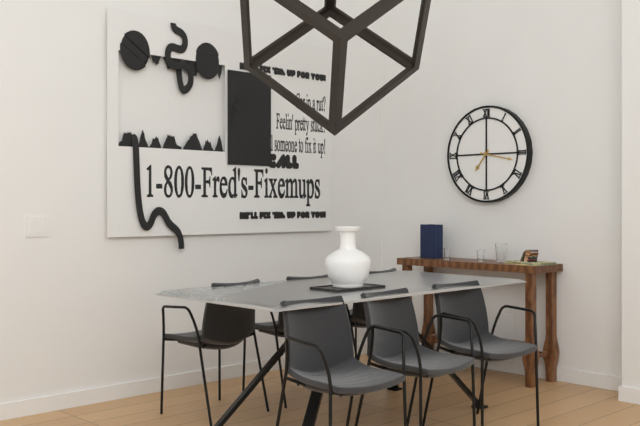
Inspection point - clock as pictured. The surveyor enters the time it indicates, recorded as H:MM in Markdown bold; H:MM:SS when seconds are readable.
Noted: **7:17**
